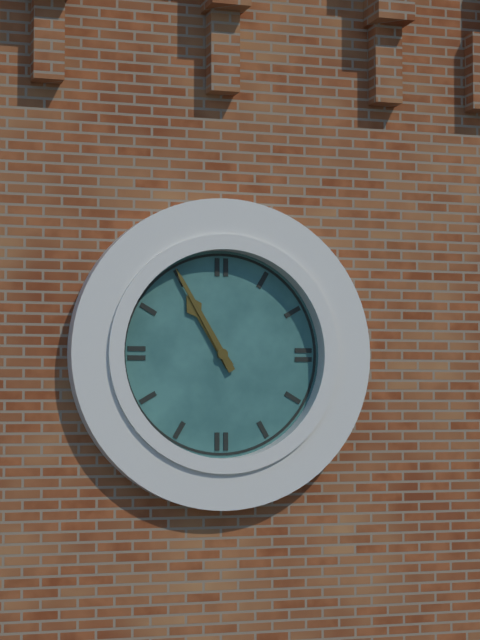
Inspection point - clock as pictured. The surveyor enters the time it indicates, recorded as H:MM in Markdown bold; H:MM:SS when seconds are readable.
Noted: **10:55**
